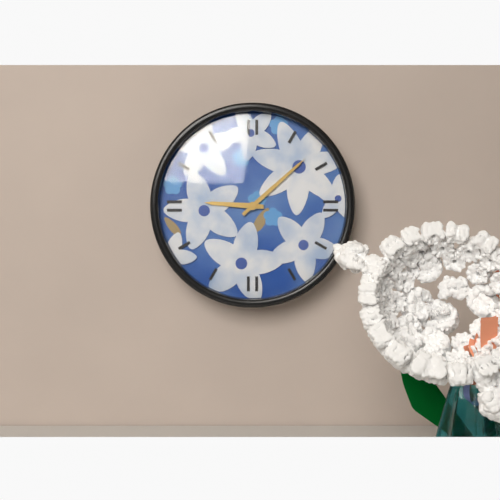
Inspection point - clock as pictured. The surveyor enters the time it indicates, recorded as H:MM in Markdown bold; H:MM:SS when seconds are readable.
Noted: **9:08**
